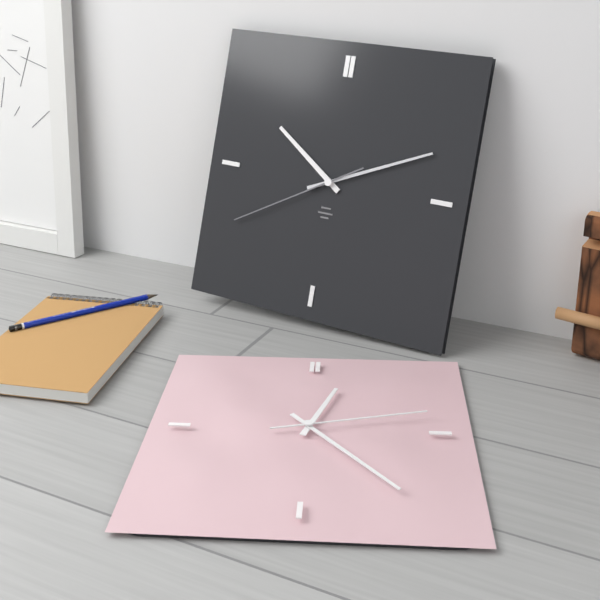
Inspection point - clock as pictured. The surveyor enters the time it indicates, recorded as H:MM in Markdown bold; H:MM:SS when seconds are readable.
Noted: **10:11:40**
